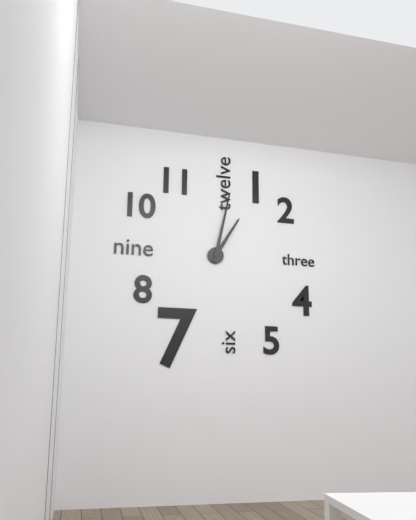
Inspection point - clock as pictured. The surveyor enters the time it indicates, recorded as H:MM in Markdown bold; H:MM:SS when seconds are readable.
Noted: **1:02**
